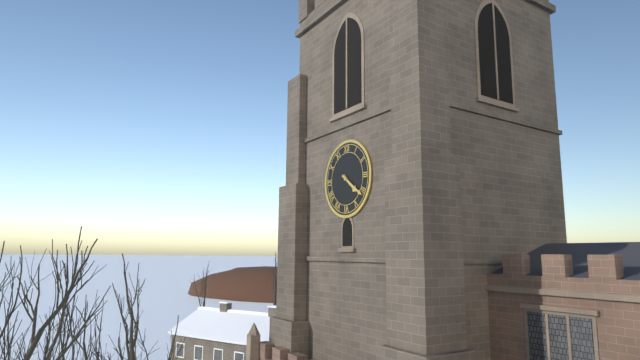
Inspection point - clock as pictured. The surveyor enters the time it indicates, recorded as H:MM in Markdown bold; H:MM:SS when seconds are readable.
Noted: **4:21**
